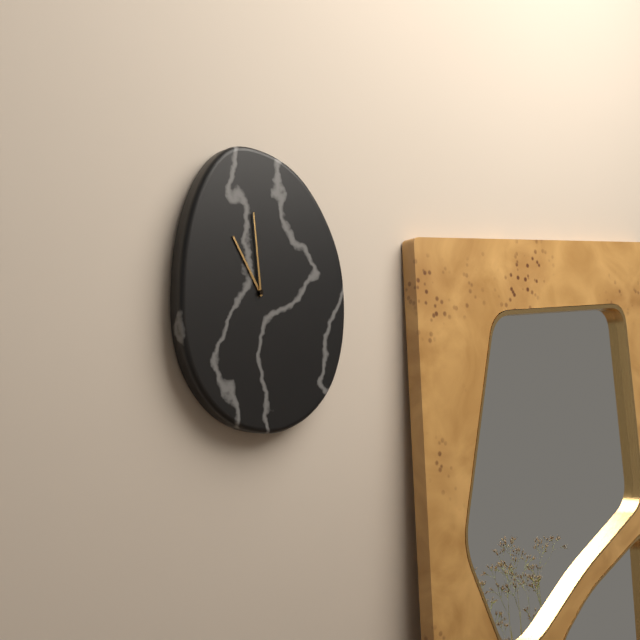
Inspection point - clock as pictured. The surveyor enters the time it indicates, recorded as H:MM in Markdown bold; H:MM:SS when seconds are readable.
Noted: **10:59**
